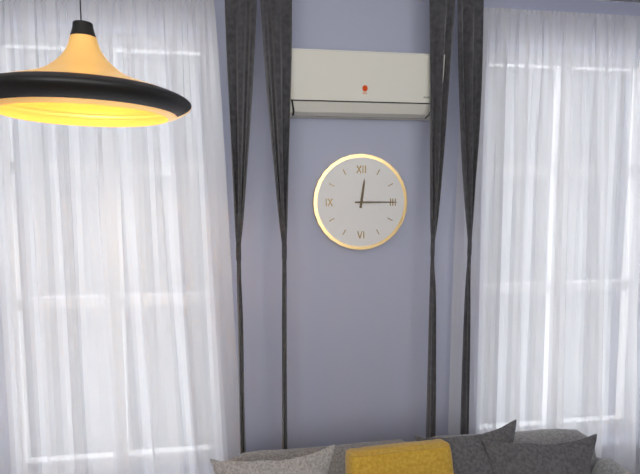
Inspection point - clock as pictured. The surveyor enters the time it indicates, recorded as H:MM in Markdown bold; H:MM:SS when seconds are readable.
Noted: **12:15**
